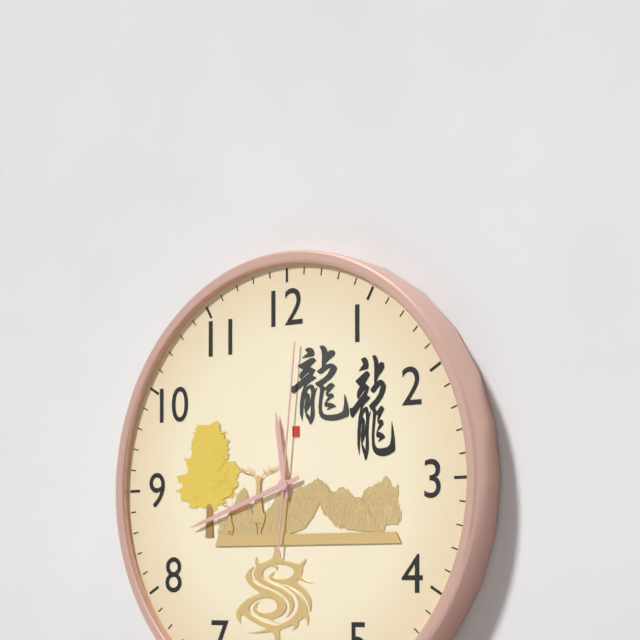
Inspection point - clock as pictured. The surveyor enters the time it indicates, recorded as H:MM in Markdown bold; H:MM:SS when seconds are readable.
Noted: **11:42:01**
